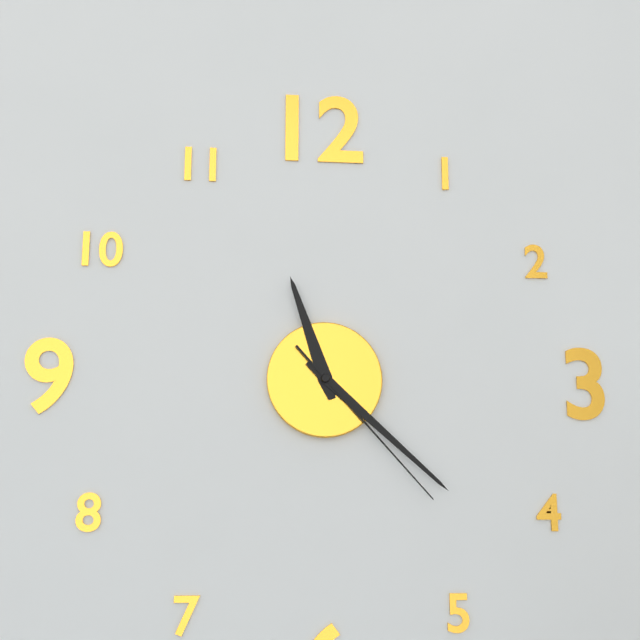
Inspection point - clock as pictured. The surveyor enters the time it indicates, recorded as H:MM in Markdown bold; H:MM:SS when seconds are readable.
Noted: **11:22:23**
